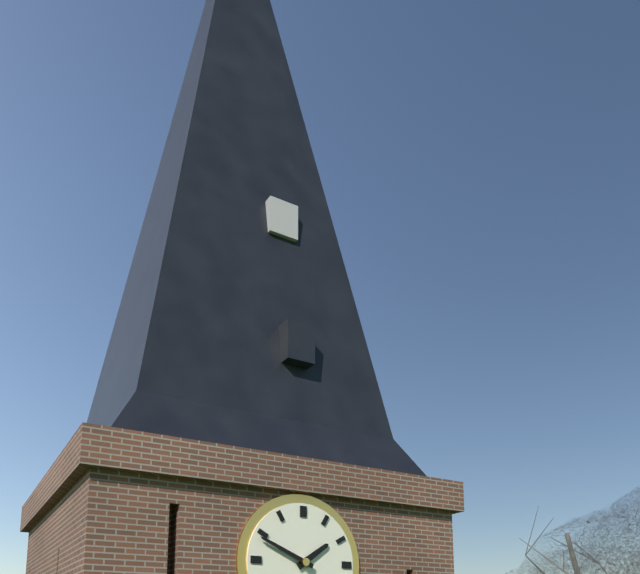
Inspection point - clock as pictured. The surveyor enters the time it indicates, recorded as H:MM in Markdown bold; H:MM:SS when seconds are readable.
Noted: **1:49**
